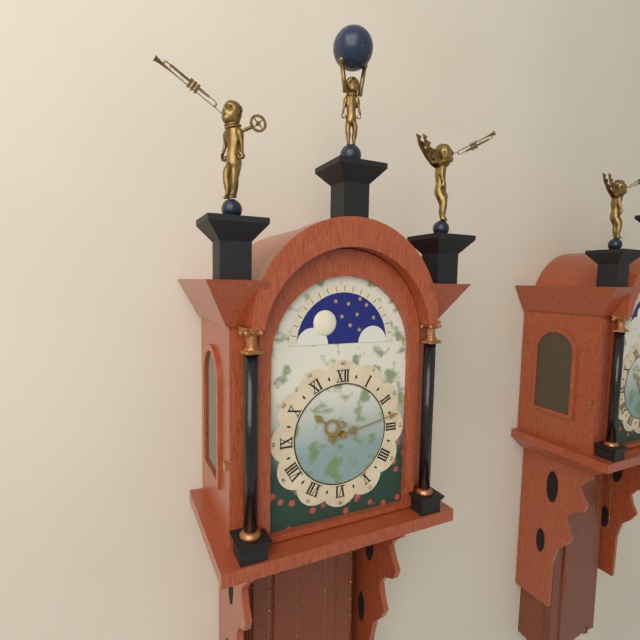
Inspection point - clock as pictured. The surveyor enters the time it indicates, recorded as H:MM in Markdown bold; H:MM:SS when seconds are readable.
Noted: **10:13**
